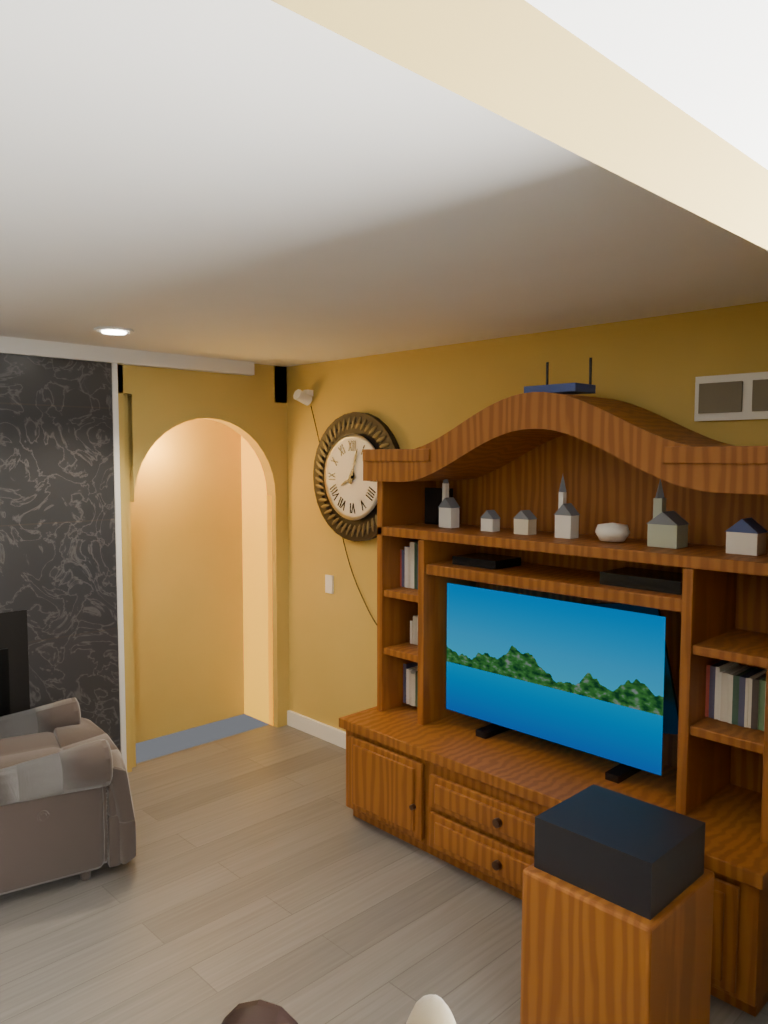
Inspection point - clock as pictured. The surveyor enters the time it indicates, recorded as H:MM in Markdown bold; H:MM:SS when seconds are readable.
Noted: **8:03**
